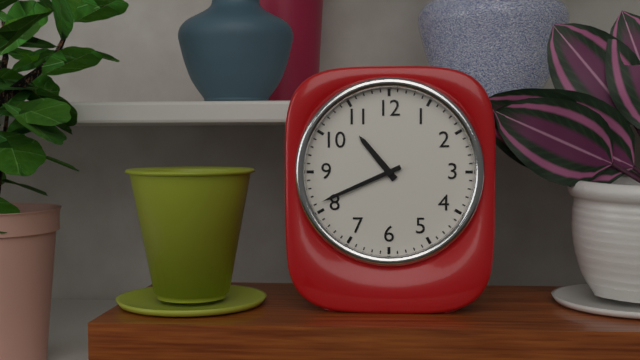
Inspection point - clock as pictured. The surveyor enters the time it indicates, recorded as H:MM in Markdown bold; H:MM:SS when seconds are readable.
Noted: **10:41**
